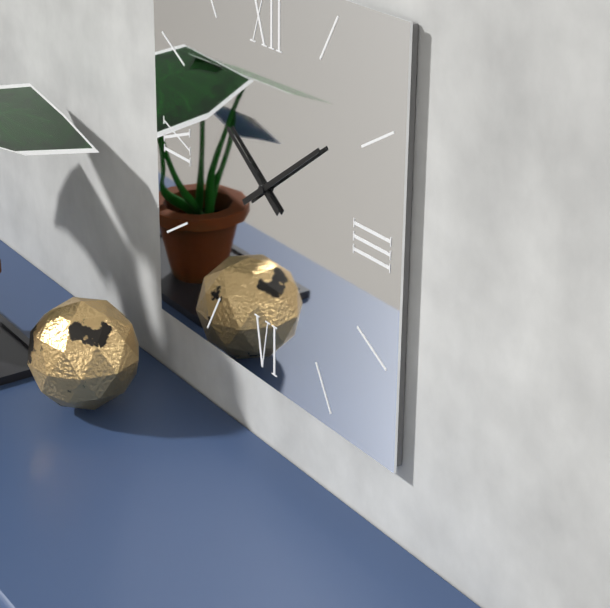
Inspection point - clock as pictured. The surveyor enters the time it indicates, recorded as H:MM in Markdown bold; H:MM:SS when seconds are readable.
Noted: **10:09**
